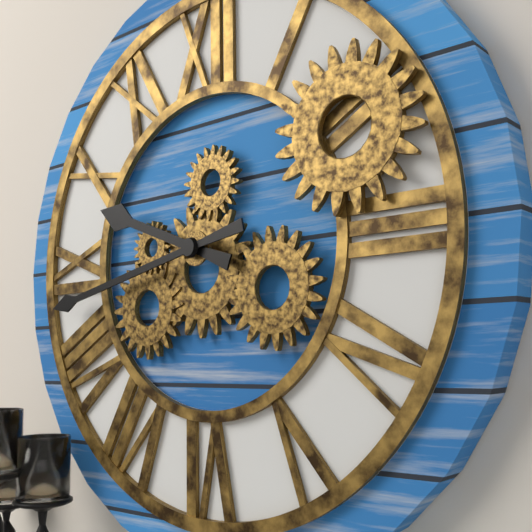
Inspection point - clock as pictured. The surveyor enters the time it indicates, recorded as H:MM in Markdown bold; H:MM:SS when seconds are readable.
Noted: **9:43**
